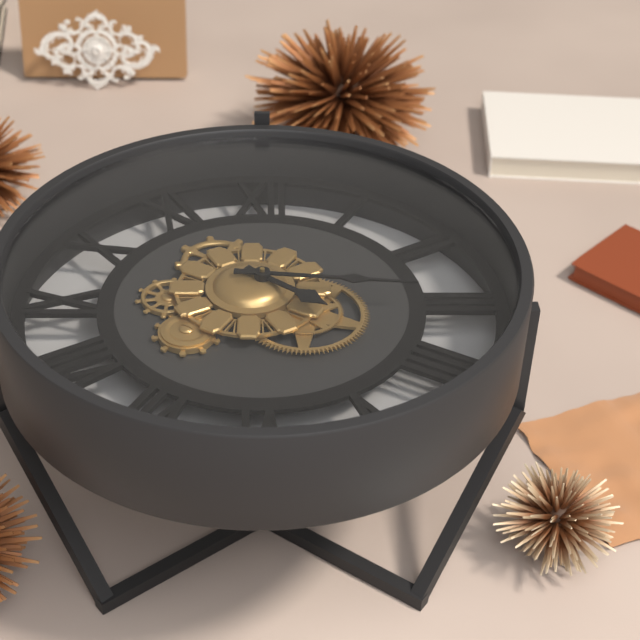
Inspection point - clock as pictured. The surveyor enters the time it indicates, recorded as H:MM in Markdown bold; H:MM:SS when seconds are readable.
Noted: **4:16**
